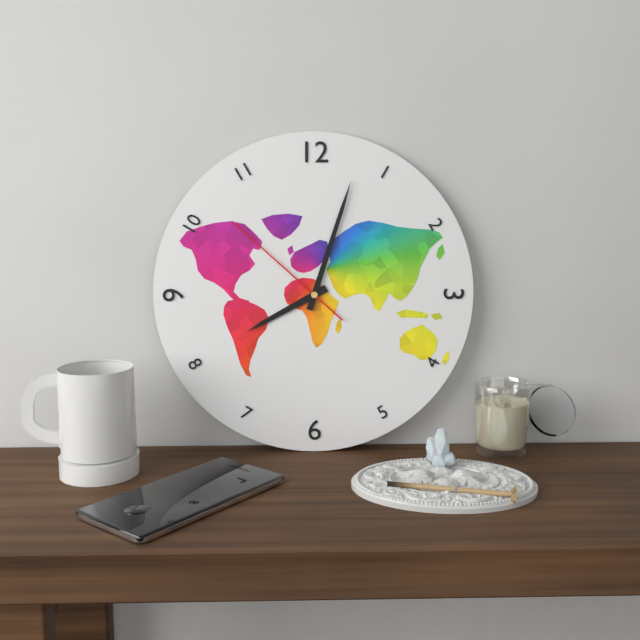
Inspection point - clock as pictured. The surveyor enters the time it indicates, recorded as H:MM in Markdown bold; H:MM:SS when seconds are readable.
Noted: **8:03:52**
